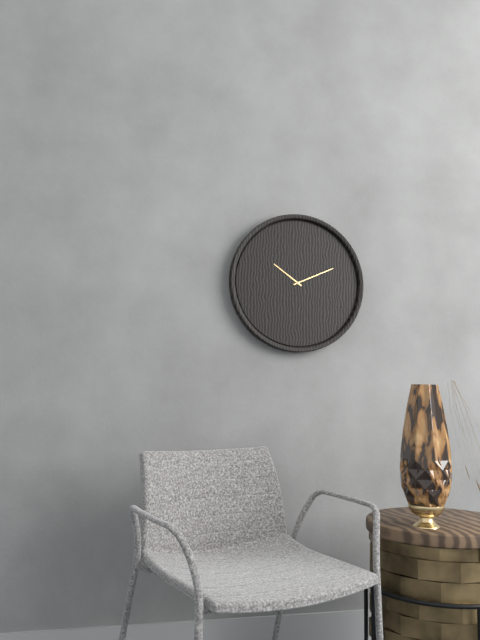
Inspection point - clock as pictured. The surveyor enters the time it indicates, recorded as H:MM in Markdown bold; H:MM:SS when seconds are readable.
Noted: **10:11**
